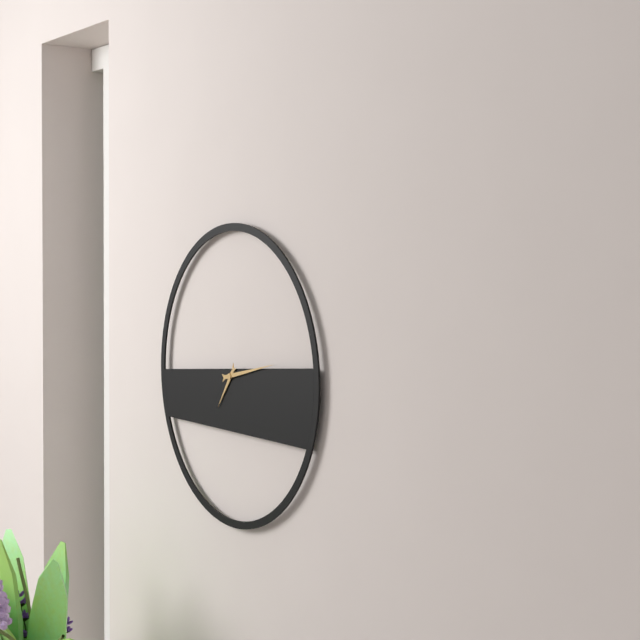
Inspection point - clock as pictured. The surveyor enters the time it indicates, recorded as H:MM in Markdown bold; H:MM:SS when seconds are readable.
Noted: **7:13**
